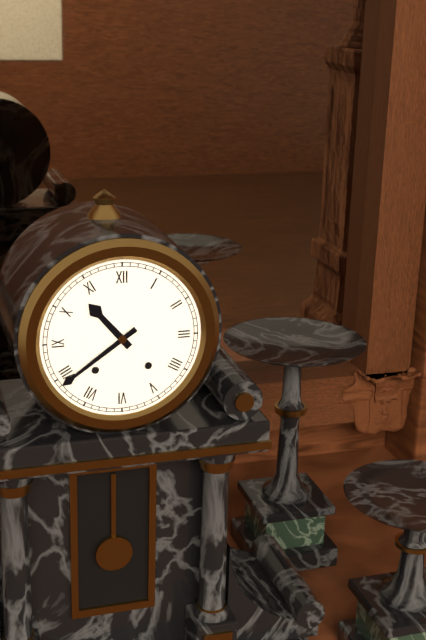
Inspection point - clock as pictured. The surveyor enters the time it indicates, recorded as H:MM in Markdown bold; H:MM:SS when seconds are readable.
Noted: **10:39**
